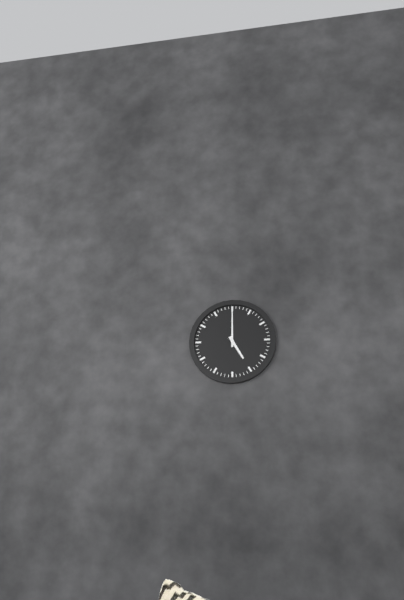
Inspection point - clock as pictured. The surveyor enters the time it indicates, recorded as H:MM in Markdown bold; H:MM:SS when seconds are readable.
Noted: **5:00**
